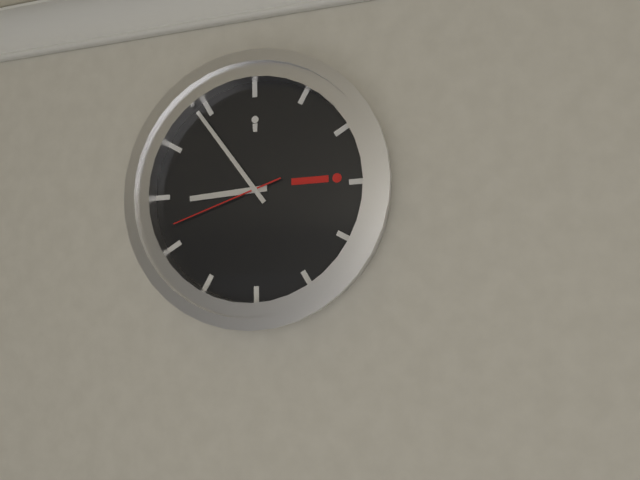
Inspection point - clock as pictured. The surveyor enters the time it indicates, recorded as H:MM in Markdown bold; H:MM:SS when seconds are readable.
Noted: **8:54:42**
